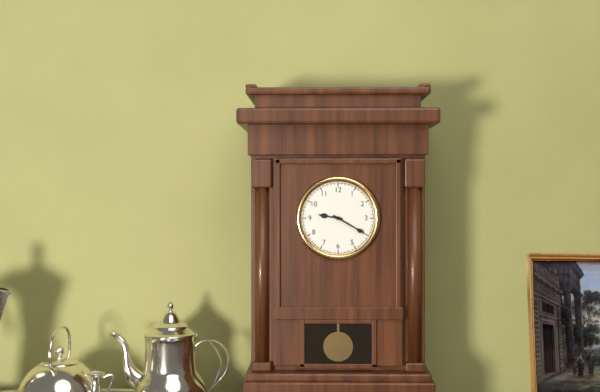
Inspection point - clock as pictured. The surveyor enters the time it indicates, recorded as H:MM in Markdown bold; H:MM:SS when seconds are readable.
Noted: **9:20**
